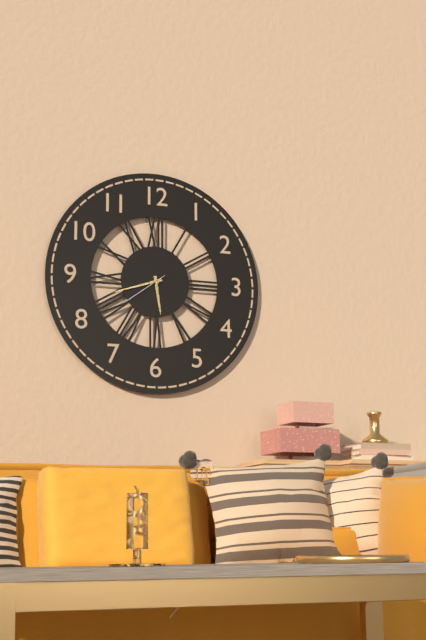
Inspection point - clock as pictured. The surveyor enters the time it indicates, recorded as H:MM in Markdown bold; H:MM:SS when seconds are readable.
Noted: **5:42:39**
